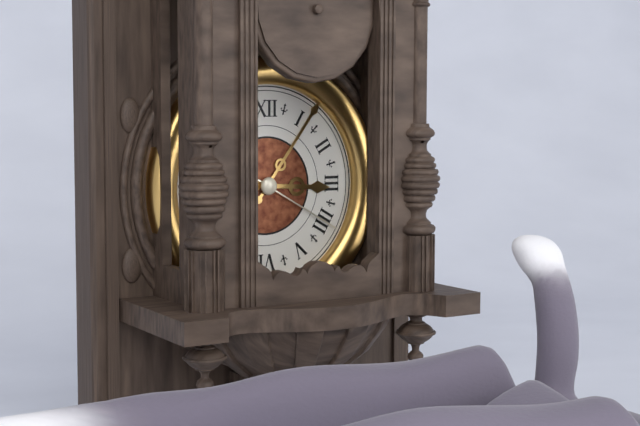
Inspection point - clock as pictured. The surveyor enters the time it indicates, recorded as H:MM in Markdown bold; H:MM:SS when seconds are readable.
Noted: **3:06:20**
